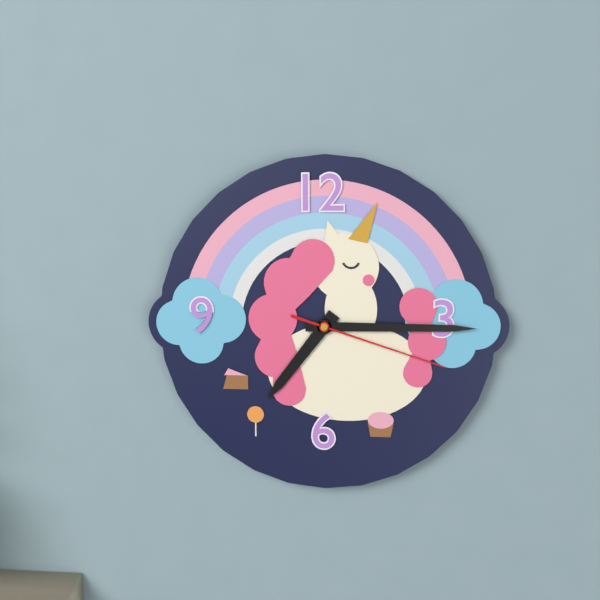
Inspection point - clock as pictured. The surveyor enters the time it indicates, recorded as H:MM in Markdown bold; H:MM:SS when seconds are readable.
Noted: **7:15:18**
